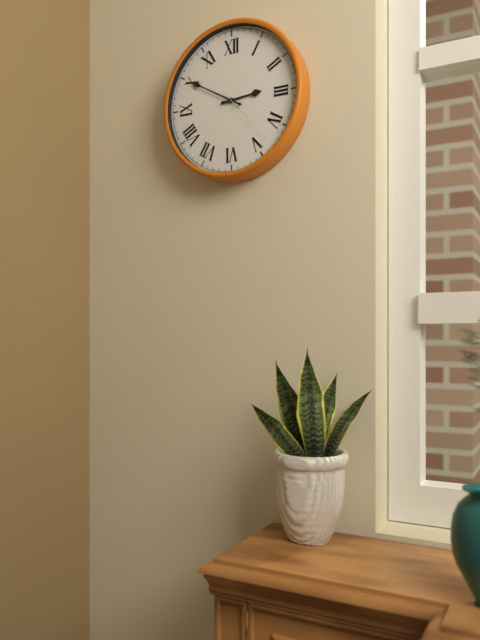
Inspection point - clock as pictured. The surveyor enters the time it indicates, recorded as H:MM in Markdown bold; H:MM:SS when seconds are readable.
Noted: **2:50:23**
